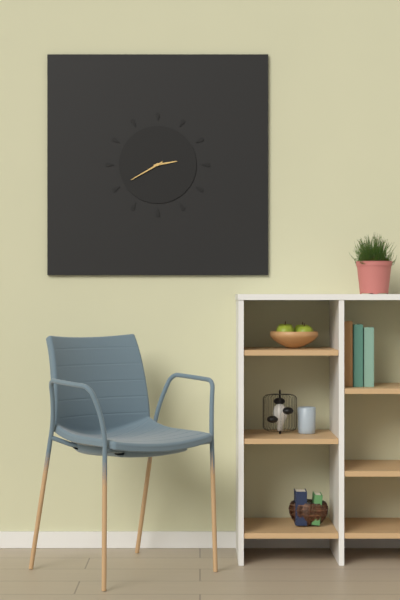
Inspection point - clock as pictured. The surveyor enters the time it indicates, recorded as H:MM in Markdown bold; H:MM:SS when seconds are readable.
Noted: **2:40**
